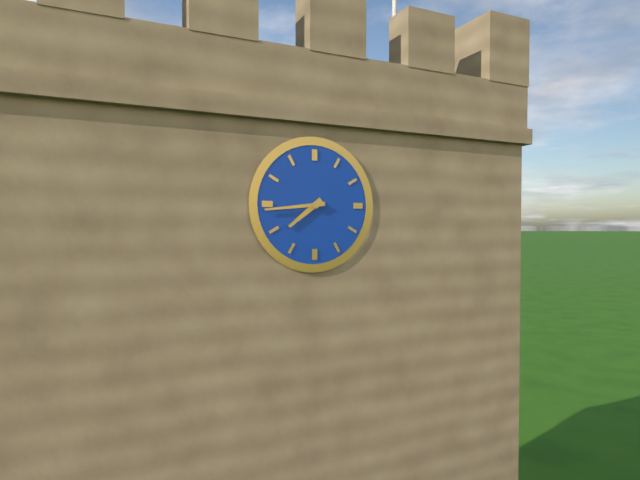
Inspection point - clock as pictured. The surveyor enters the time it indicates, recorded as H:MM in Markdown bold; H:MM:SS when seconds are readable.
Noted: **7:44**
